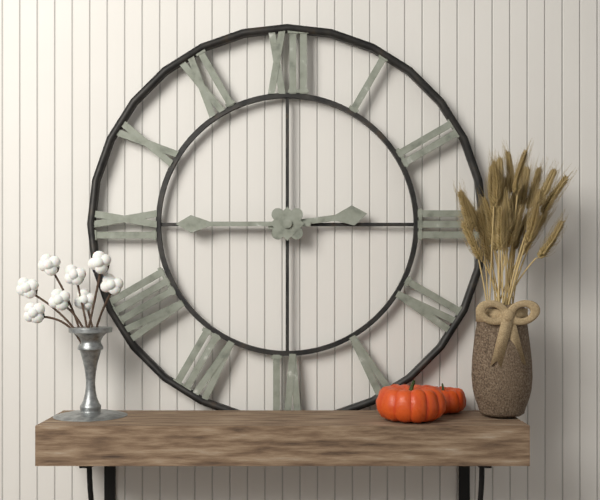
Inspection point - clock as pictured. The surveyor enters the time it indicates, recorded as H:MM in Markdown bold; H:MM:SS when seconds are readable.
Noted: **2:45**
